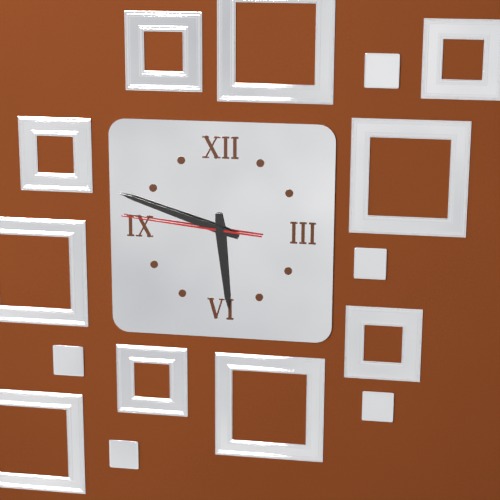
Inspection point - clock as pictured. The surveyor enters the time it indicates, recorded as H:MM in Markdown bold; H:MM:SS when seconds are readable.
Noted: **5:48:46**
